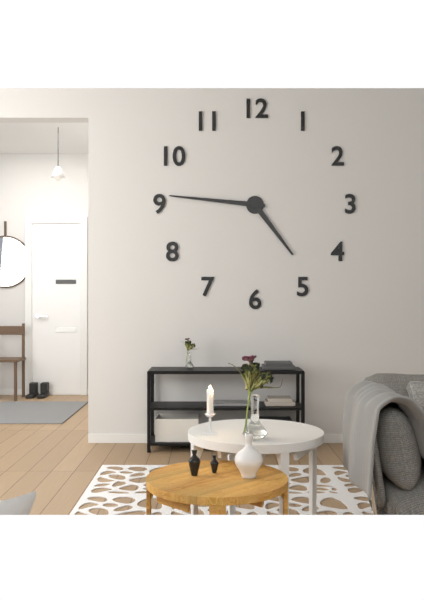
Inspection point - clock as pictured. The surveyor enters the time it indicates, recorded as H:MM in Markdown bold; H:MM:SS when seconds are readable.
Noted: **4:46**
